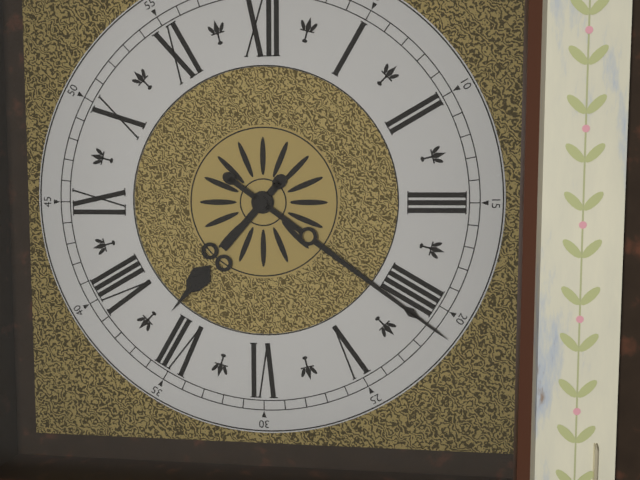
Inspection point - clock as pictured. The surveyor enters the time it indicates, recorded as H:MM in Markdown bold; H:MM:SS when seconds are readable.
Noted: **7:21**
